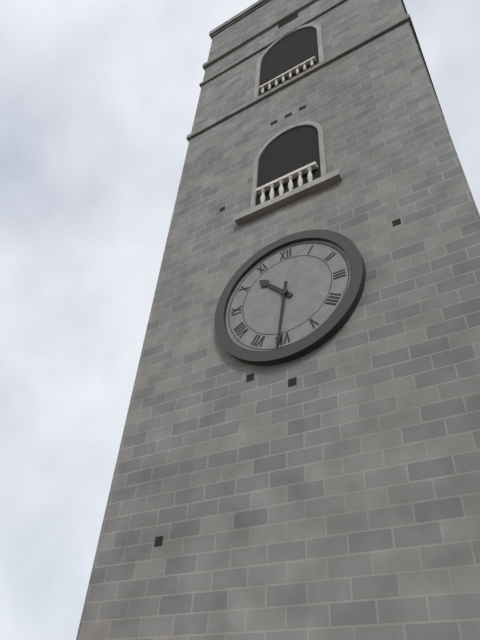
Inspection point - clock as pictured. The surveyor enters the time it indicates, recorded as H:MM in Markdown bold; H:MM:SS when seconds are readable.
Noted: **10:31**
